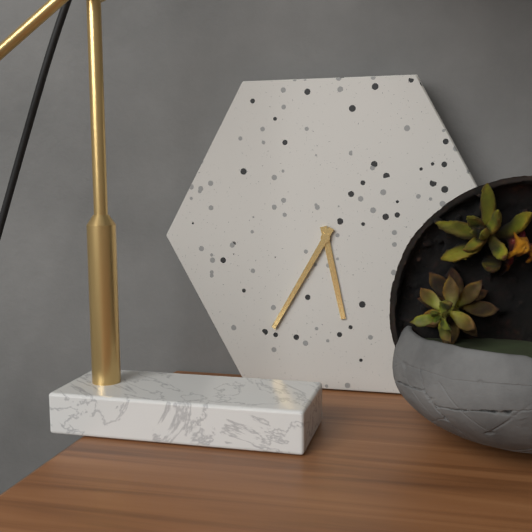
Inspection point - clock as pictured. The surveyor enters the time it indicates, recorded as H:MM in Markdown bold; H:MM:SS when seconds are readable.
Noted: **5:35**
